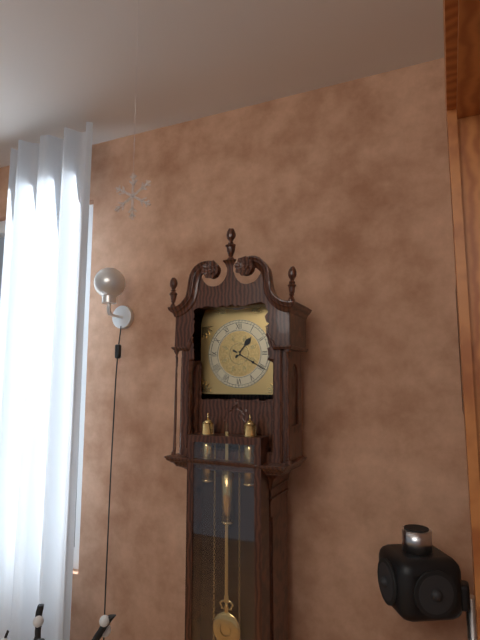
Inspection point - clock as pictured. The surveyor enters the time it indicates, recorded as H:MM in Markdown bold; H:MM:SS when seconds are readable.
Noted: **1:20**
